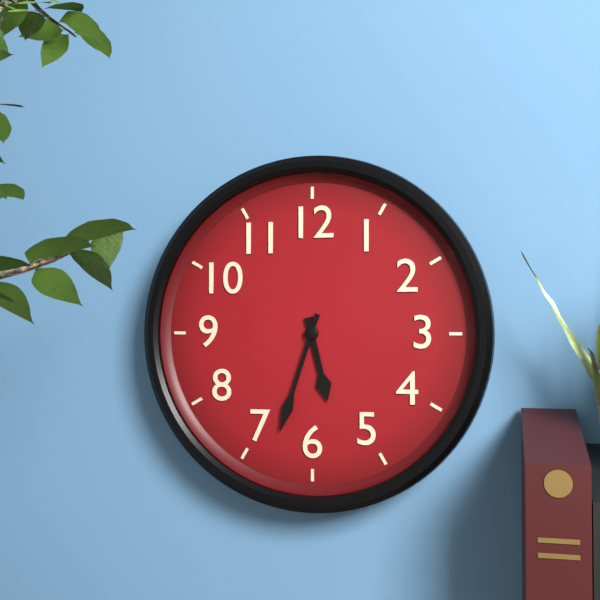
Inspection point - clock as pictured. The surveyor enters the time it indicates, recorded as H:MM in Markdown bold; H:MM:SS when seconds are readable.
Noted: **5:33**
